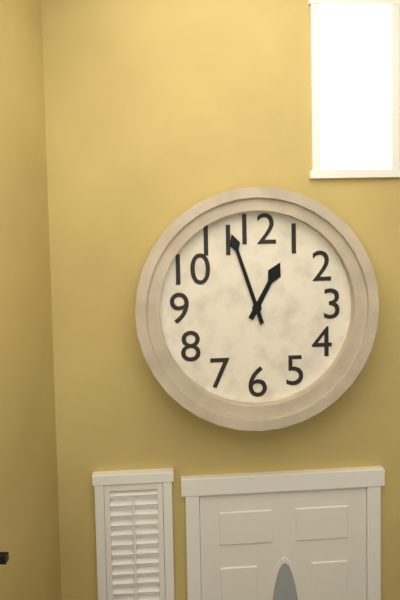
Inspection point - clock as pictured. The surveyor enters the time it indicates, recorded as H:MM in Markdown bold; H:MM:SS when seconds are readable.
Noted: **12:57**
